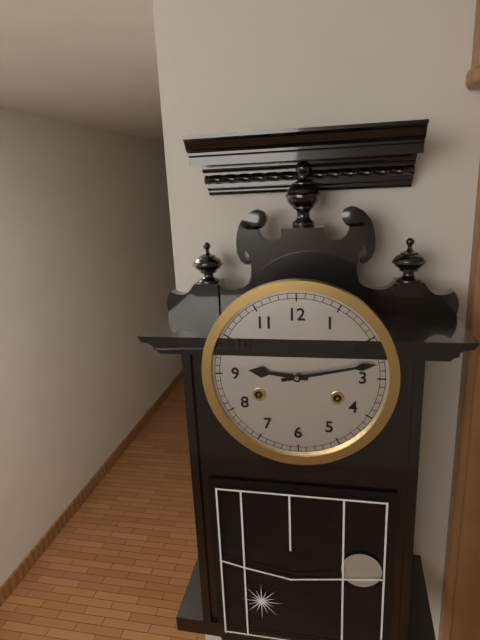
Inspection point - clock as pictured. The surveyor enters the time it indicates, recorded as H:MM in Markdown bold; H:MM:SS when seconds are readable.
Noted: **9:13**
